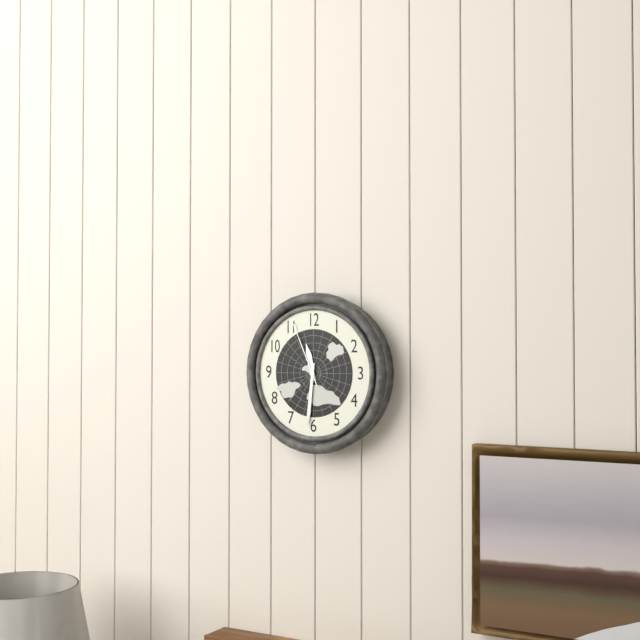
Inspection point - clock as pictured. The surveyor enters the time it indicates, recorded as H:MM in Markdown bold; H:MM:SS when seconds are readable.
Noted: **11:31:56**
